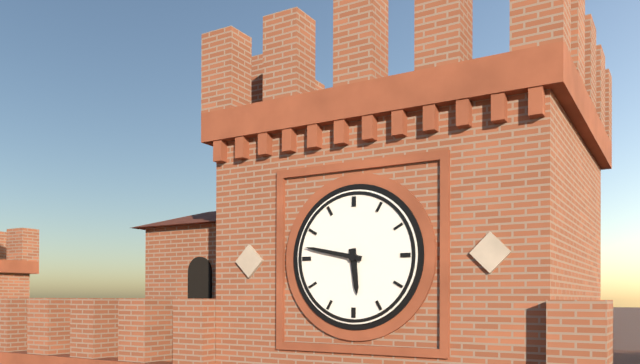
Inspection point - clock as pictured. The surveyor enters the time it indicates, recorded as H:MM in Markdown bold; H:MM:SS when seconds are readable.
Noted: **5:47**
